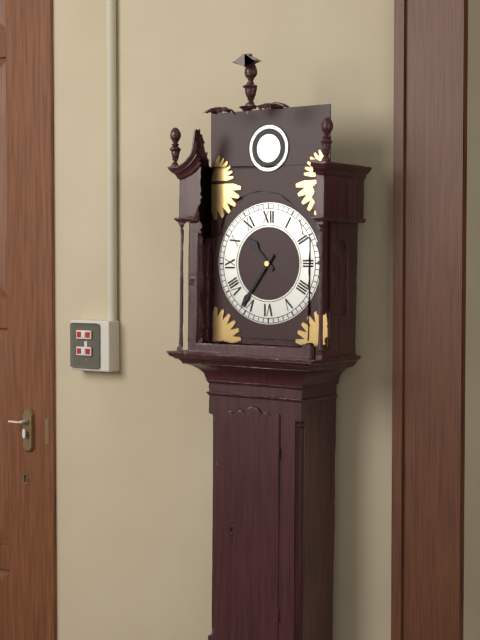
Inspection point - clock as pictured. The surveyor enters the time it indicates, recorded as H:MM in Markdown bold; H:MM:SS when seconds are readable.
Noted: **10:36**
